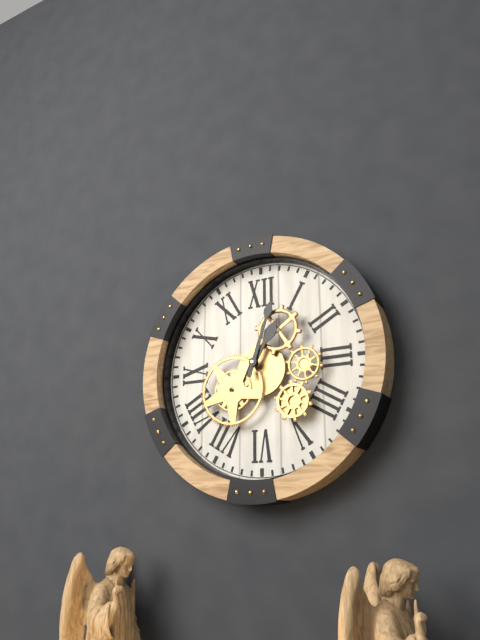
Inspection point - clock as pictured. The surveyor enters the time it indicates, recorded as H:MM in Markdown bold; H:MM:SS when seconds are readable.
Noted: **1:03**
